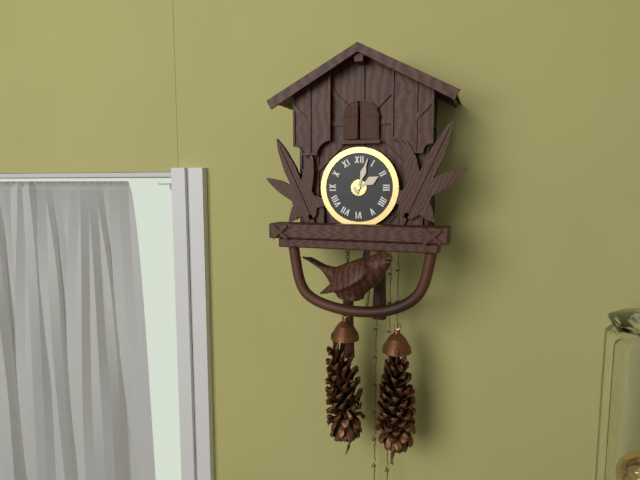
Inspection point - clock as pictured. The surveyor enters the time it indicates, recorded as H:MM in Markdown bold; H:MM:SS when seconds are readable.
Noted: **2:03**
